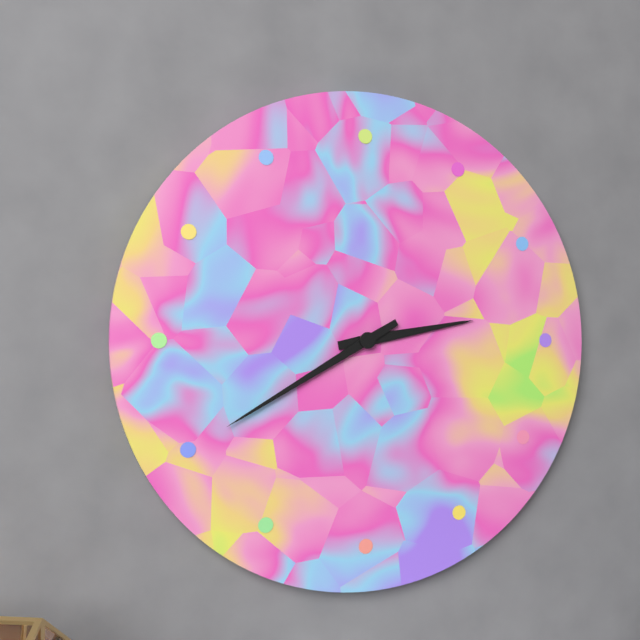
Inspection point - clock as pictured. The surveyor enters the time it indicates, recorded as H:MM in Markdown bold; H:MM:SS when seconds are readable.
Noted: **2:40**
